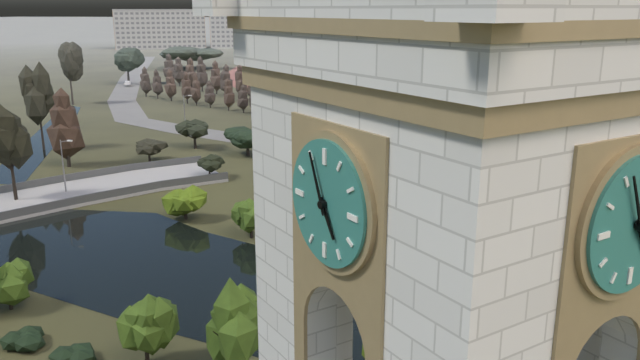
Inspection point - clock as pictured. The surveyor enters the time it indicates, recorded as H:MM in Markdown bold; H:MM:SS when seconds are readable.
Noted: **4:56**
